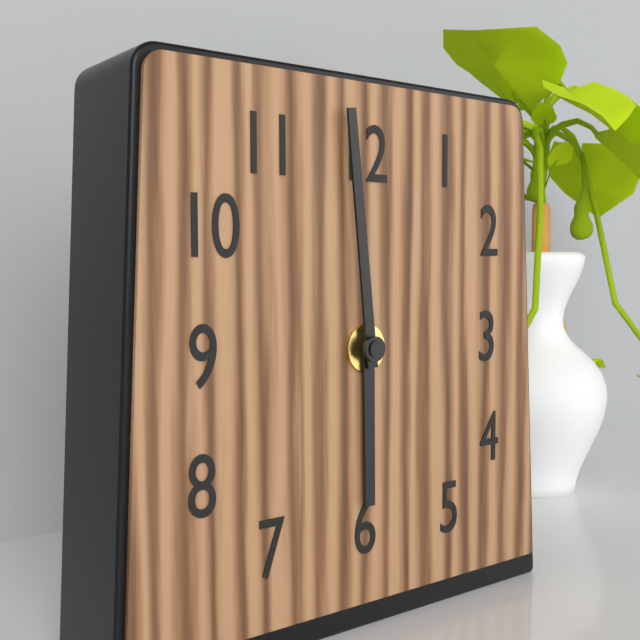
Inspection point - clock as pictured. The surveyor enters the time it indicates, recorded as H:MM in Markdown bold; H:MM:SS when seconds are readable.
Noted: **5:59**
